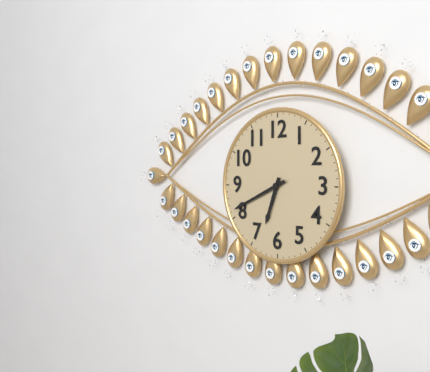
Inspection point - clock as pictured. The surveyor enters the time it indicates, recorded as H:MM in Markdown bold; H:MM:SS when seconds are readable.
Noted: **6:41**
